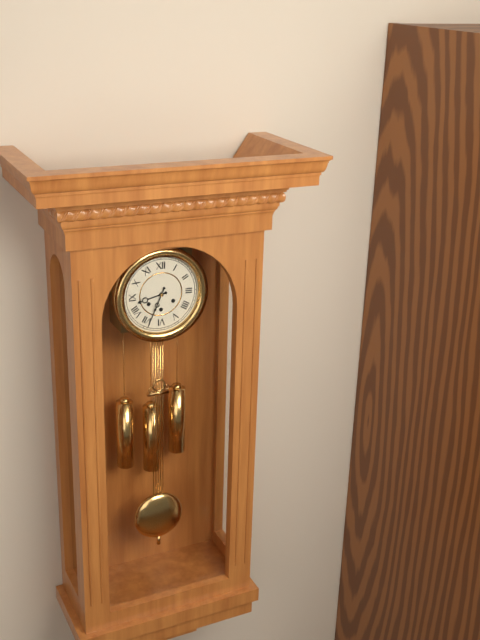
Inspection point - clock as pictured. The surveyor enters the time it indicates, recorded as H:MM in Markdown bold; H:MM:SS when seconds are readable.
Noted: **8:34**
